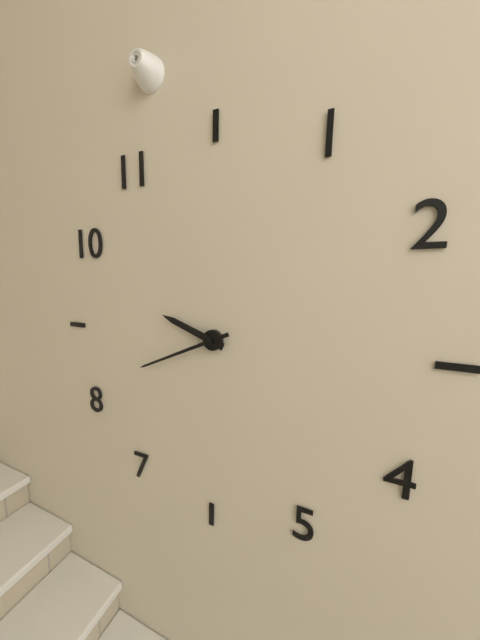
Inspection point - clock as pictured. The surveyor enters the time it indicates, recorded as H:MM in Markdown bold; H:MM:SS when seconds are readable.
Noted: **9:41**
